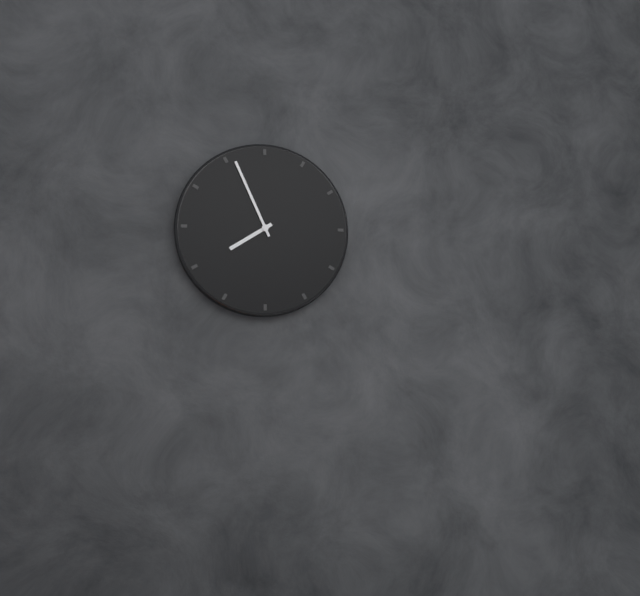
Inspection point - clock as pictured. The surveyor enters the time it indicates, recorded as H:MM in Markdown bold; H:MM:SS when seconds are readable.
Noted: **7:56**
